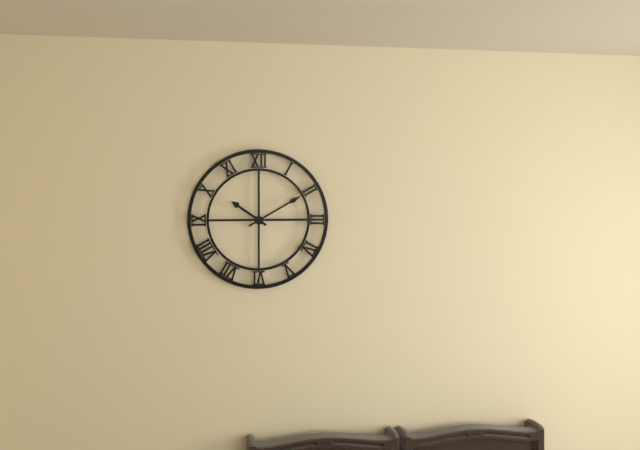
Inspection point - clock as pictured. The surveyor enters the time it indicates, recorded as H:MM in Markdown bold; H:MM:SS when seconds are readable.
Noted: **10:10**
